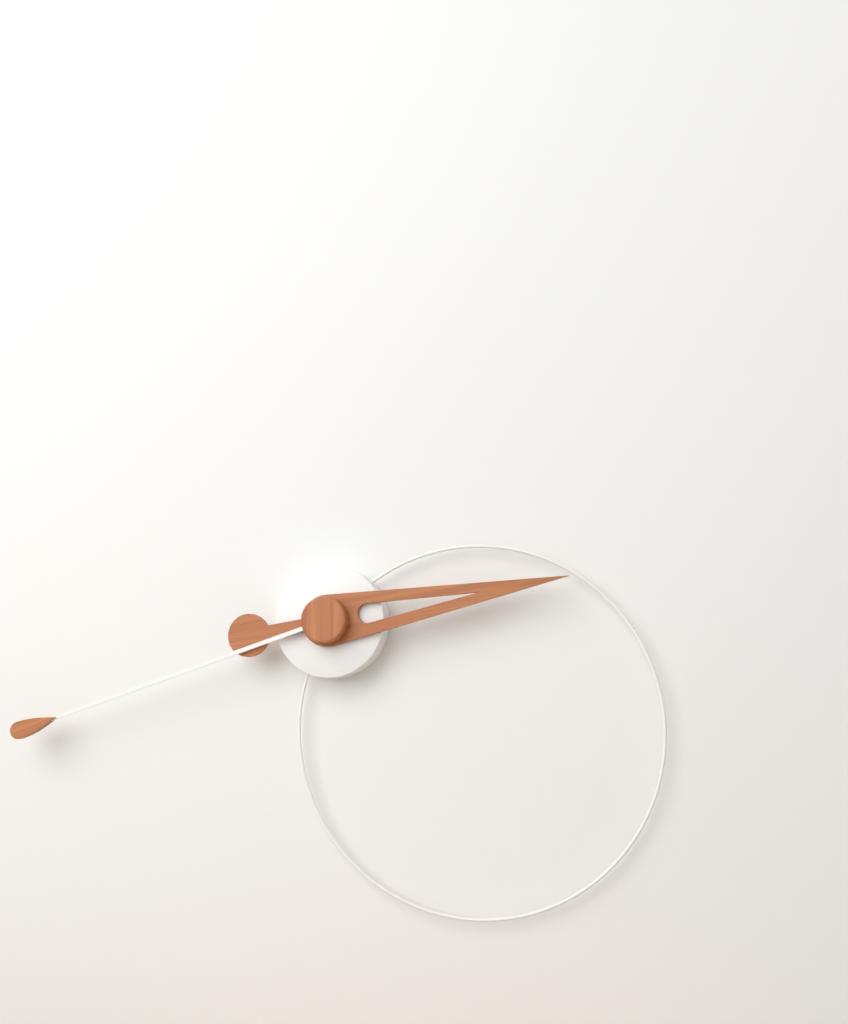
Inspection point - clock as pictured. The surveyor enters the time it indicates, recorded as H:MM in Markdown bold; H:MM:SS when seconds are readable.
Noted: **2:42**
